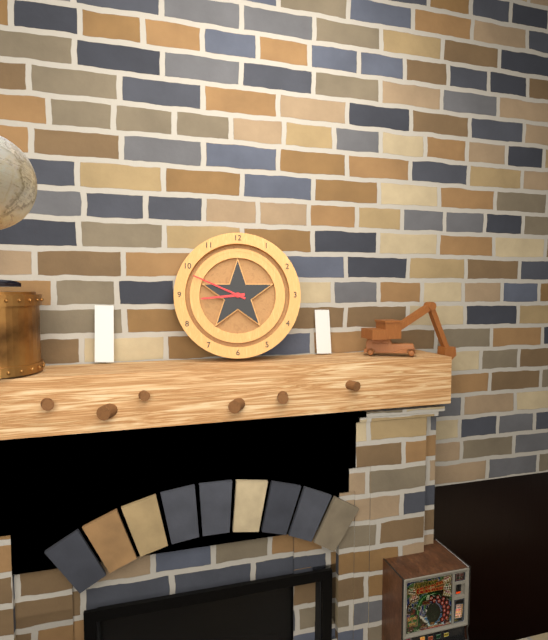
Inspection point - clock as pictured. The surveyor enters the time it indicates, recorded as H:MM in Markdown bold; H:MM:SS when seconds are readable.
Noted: **8:49**
